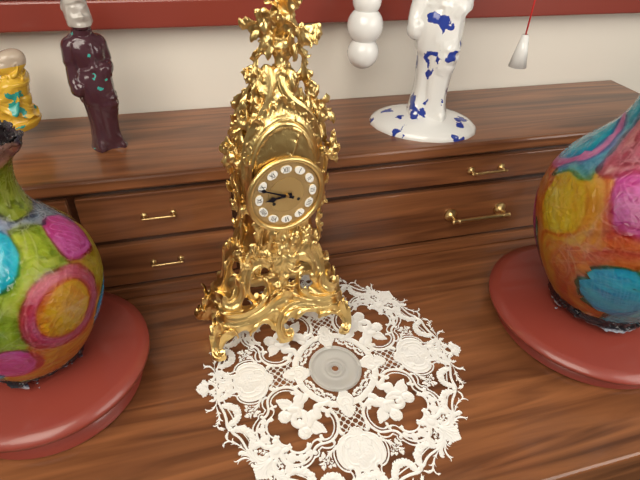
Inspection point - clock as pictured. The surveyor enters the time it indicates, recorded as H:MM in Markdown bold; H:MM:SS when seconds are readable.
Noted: **8:49**
